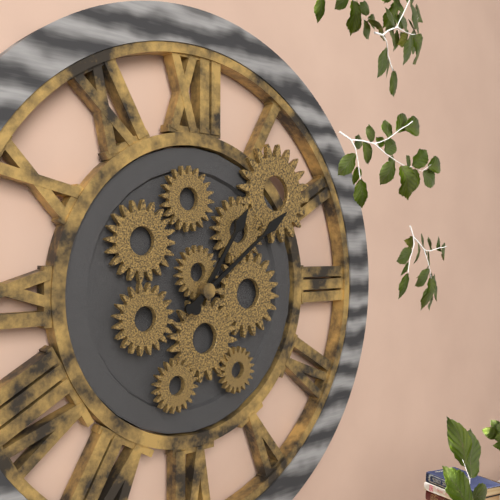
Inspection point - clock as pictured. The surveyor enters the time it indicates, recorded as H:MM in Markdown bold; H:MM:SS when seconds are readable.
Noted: **1:09**
